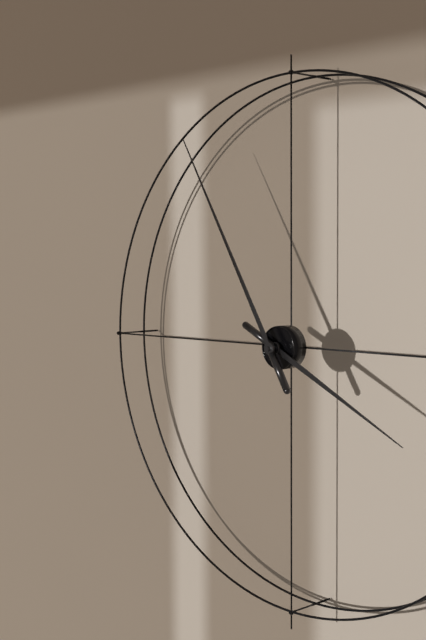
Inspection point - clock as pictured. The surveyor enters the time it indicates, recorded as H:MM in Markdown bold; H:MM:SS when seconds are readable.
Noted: **3:55**
